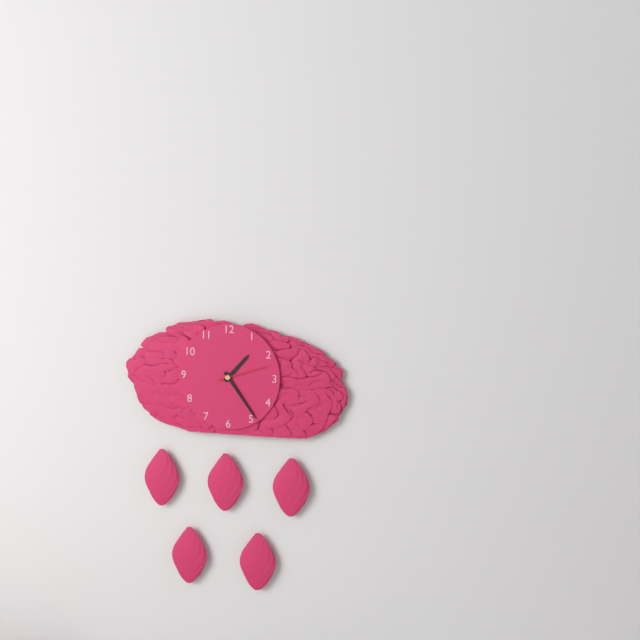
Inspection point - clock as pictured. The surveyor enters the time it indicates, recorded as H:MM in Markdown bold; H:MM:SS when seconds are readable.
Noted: **1:24:12**
